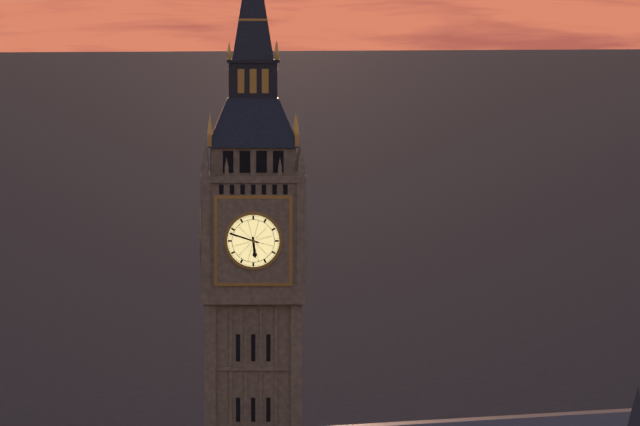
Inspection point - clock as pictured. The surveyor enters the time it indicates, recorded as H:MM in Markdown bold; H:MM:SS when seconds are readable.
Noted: **5:48**
